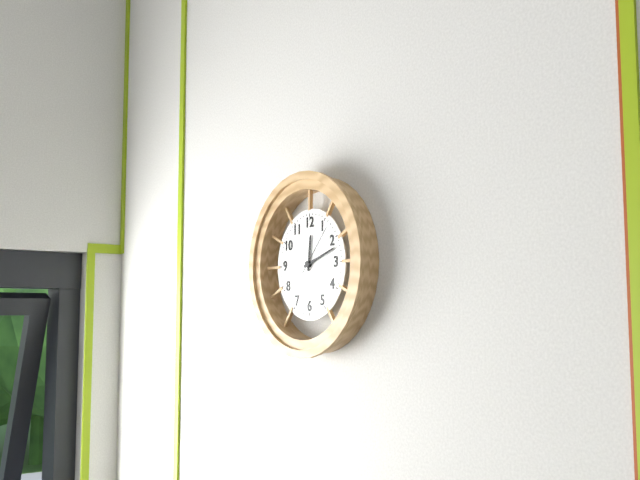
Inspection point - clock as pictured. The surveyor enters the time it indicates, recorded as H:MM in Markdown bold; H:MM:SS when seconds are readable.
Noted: **12:12:07**
